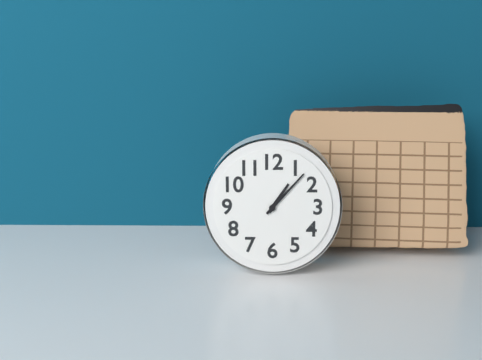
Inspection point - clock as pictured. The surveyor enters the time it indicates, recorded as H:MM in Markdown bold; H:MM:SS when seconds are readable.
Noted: **1:07**
